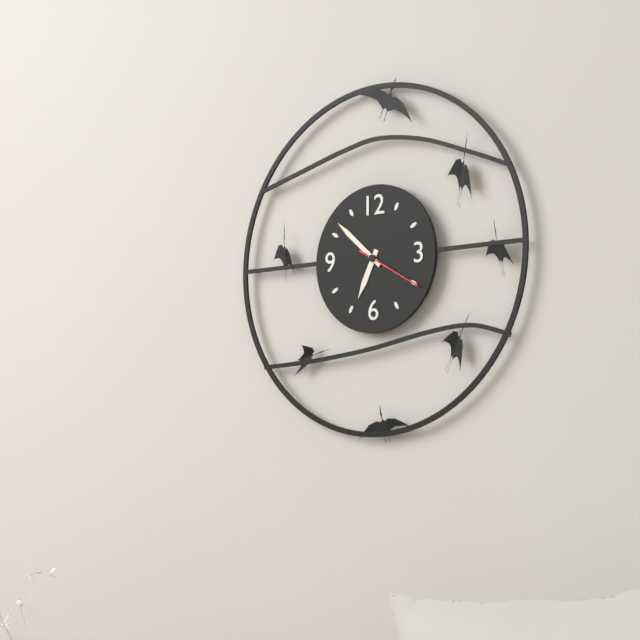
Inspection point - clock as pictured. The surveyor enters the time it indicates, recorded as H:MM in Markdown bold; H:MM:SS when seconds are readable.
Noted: **6:52:20**
